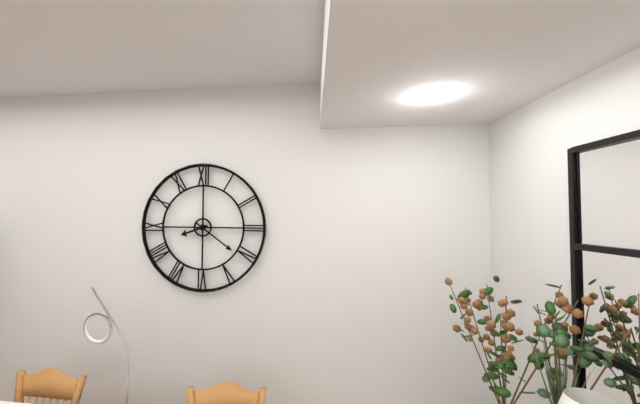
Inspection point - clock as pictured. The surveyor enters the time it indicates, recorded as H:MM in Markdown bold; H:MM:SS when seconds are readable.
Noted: **8:21**
